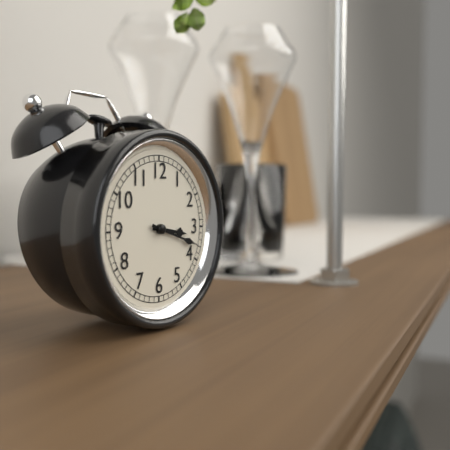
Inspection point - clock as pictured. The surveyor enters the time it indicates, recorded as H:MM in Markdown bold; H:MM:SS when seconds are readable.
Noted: **3:18**
